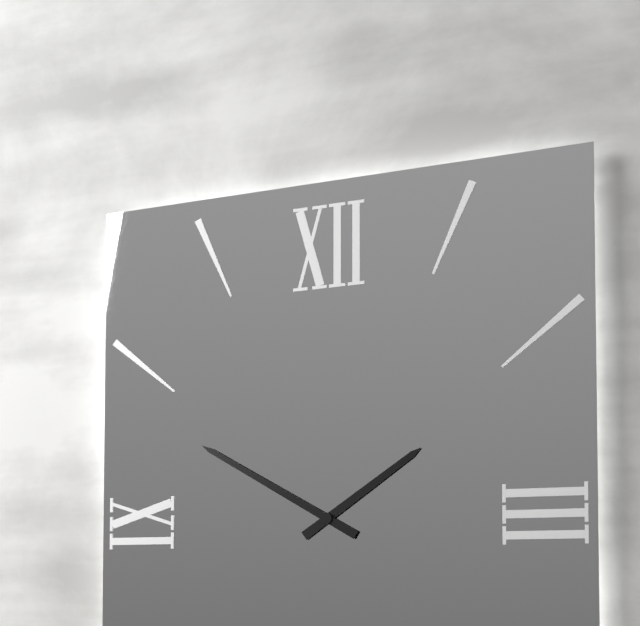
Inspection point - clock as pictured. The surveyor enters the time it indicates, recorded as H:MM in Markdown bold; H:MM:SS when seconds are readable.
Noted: **1:50**
